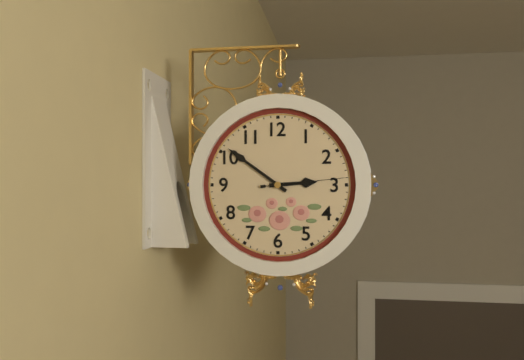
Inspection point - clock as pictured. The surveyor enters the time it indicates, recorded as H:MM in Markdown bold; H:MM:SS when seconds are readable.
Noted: **2:51:14**
